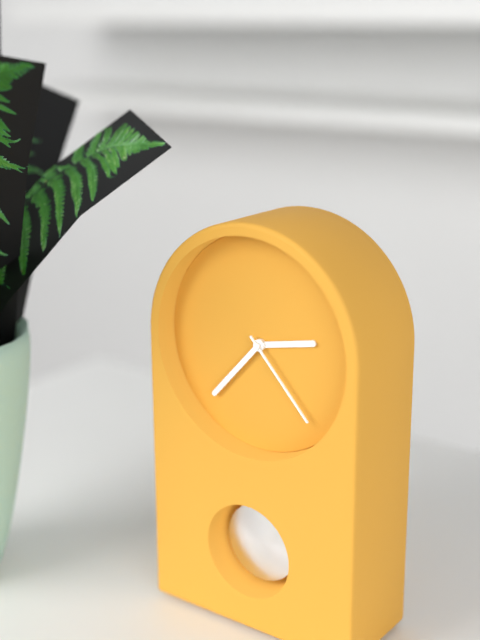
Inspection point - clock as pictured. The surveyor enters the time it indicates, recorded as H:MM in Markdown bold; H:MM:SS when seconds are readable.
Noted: **2:37:23**
